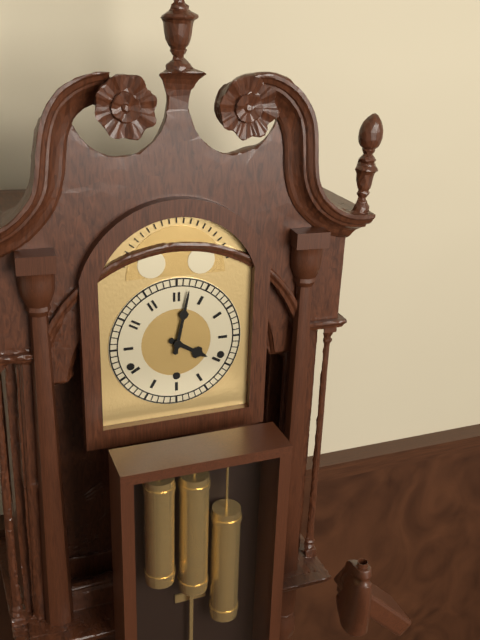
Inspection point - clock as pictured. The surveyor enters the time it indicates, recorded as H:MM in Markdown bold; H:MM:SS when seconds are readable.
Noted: **4:02**
